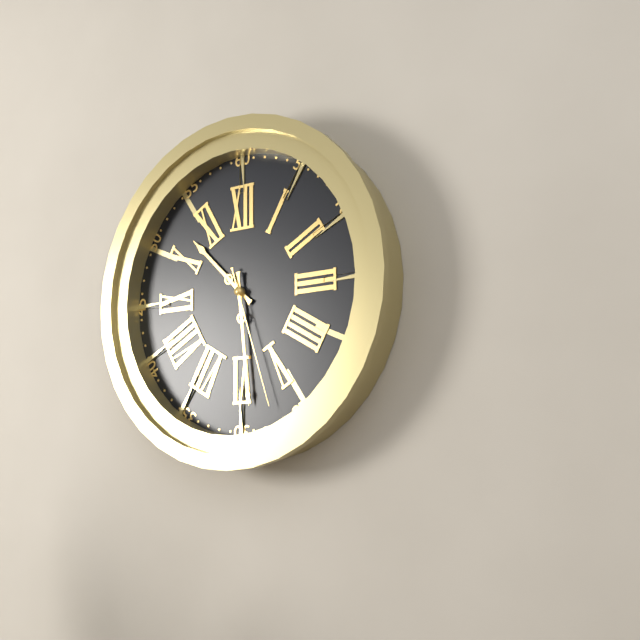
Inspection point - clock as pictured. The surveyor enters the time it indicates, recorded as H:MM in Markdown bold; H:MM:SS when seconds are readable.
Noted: **10:29:27**
